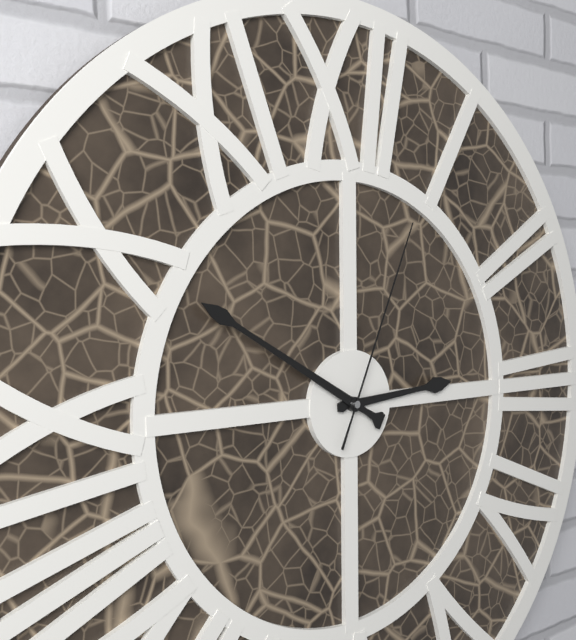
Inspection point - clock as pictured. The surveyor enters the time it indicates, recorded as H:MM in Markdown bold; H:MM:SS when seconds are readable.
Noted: **2:50:04**
